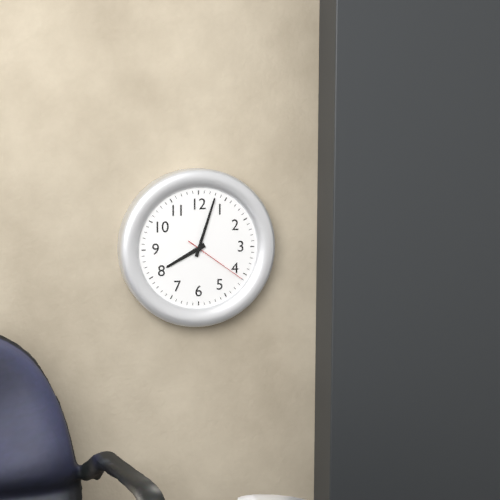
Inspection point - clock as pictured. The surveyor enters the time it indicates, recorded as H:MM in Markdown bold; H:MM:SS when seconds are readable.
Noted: **8:03:21**
